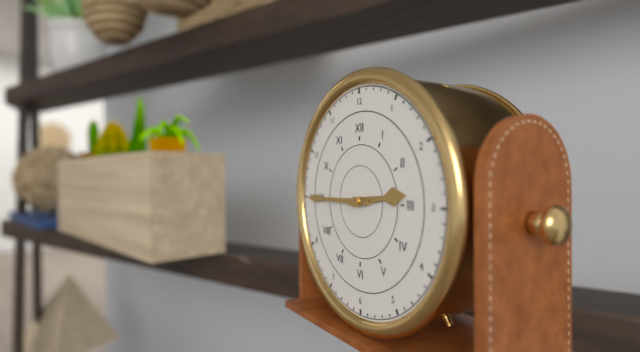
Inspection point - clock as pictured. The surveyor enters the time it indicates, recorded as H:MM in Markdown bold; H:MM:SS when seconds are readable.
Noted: **2:45**
